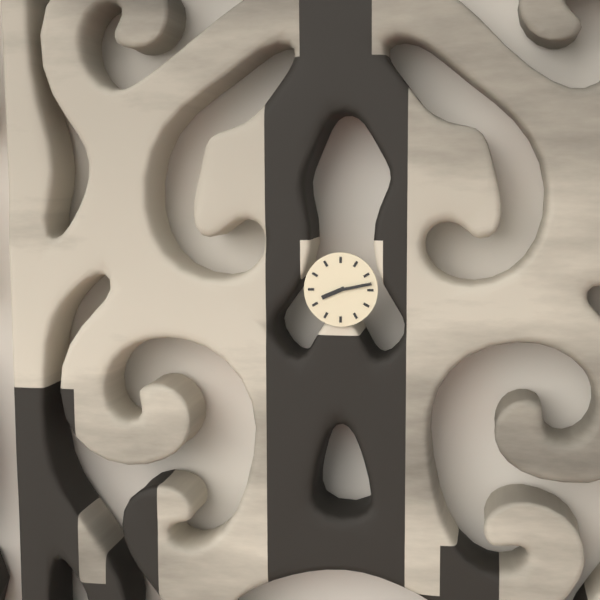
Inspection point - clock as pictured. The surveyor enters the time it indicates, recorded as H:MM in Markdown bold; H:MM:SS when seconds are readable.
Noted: **8:13**
